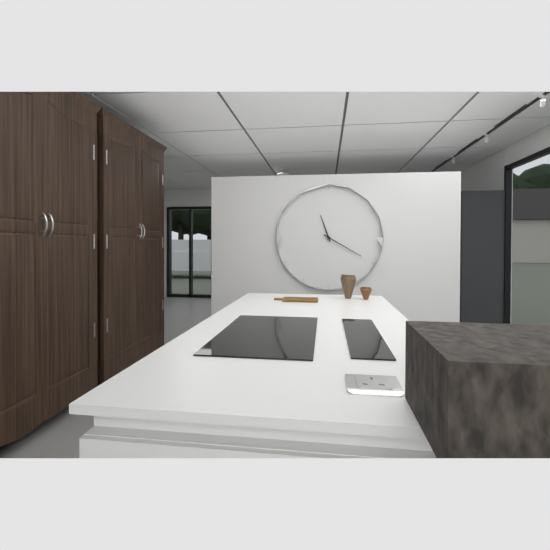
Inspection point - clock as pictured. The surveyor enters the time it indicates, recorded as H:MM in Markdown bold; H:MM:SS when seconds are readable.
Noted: **11:20**
